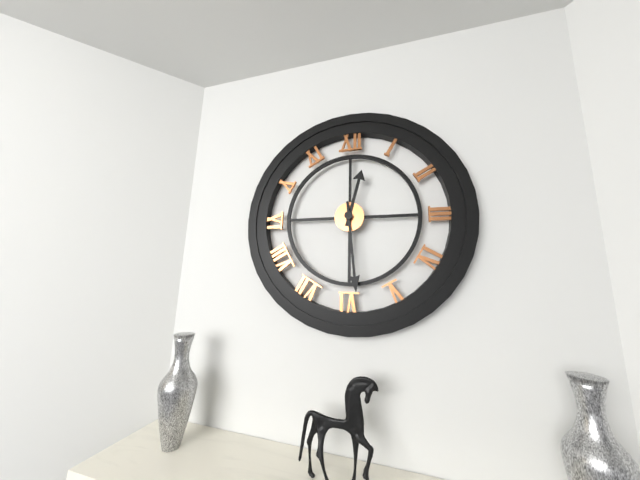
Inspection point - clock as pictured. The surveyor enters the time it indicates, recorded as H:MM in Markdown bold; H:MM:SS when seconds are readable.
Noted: **12:29**
